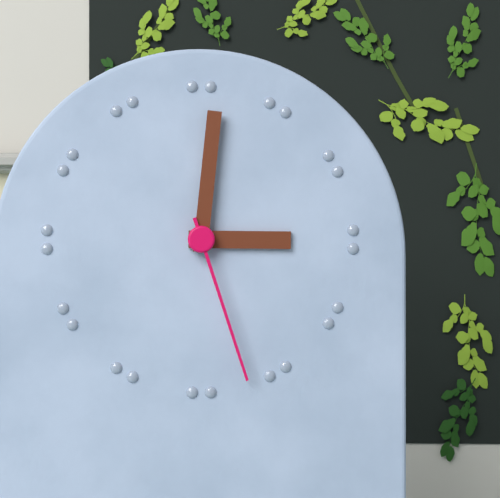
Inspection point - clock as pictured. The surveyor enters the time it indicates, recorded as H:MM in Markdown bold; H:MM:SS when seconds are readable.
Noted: **3:01:27**
